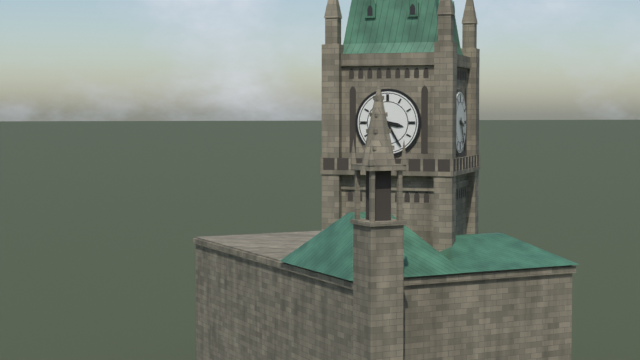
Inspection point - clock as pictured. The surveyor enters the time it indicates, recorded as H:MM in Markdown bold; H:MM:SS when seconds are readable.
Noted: **3:25**
